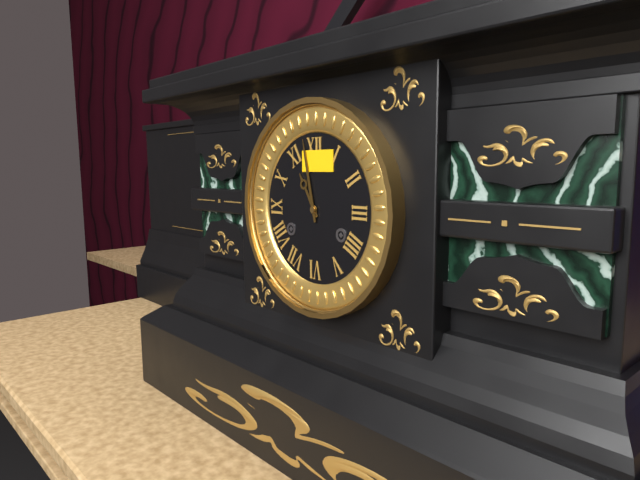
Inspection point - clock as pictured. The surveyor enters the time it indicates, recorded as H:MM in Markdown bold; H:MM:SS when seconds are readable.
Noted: **10:58**
